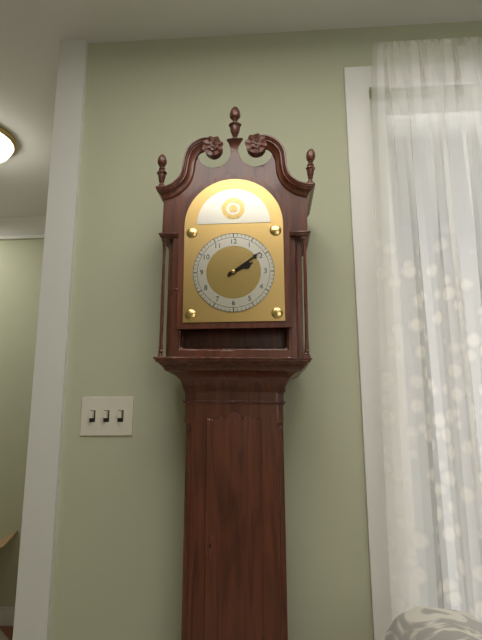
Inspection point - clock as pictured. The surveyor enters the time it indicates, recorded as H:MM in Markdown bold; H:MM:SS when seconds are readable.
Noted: **2:09**
